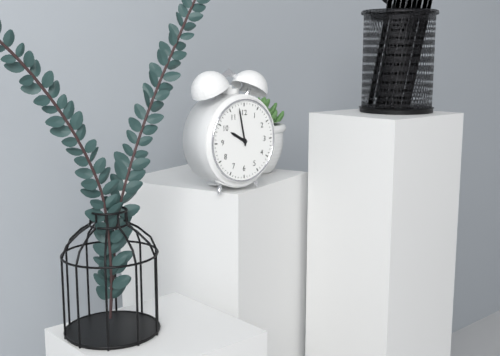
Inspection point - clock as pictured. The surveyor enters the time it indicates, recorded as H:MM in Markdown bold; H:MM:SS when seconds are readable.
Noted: **9:58**
